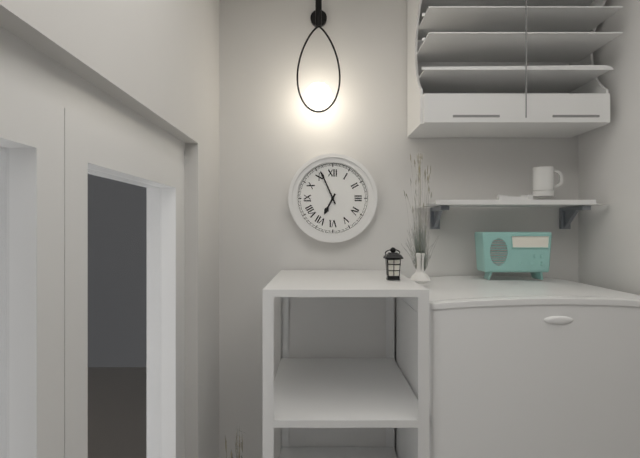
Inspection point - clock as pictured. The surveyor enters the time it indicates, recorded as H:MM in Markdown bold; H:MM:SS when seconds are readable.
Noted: **6:56**
